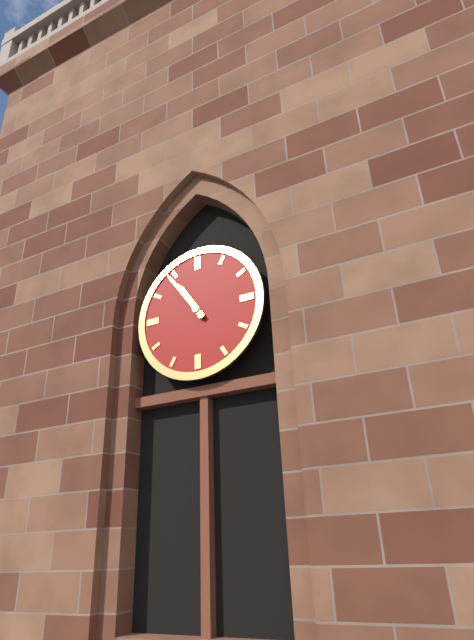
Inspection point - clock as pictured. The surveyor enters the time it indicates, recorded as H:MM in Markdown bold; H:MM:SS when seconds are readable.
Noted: **10:54**
